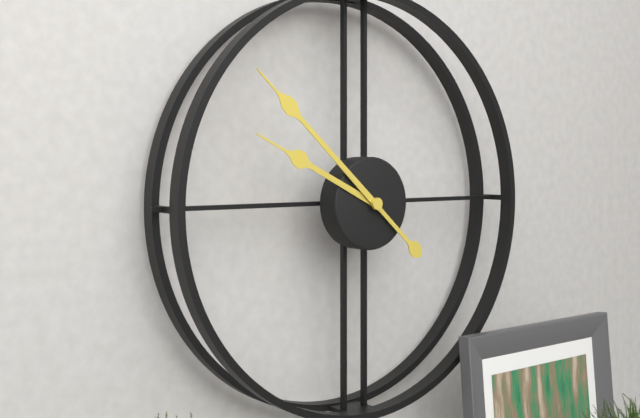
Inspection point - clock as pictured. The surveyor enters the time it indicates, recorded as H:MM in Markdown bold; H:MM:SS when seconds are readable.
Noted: **9:52**
